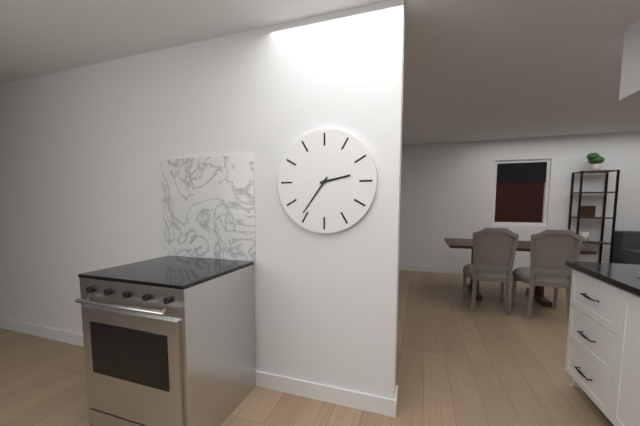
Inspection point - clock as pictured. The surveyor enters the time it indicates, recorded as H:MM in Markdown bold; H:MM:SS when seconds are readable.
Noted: **2:36**
